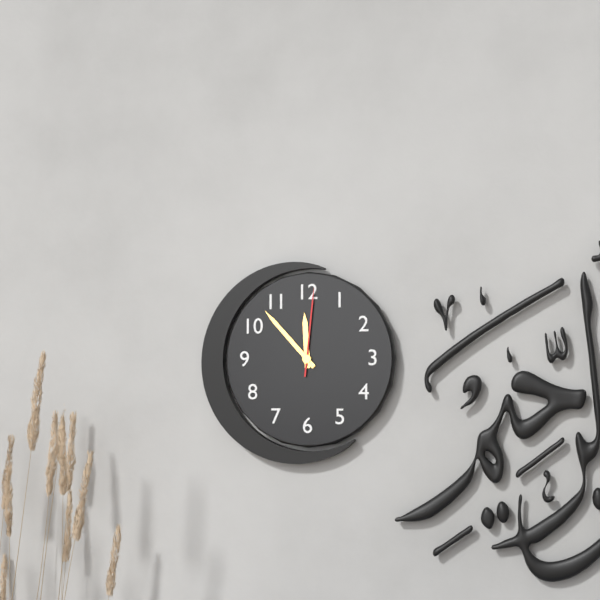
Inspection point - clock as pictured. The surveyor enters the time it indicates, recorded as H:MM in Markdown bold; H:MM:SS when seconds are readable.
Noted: **11:53:01**
